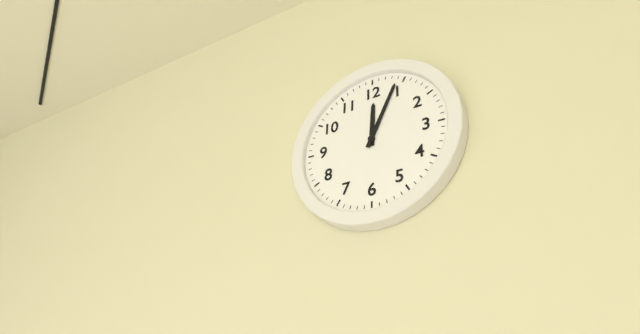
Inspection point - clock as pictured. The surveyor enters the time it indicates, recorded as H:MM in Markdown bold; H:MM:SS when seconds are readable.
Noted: **12:04**
